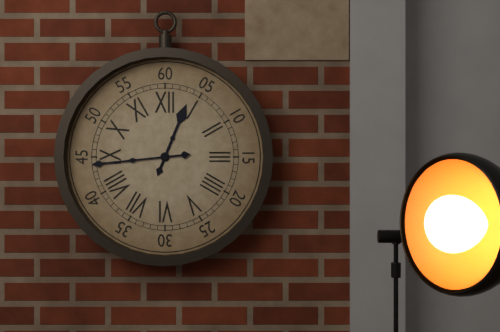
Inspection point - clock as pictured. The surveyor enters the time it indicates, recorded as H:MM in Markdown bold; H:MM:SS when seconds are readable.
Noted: **12:44**
